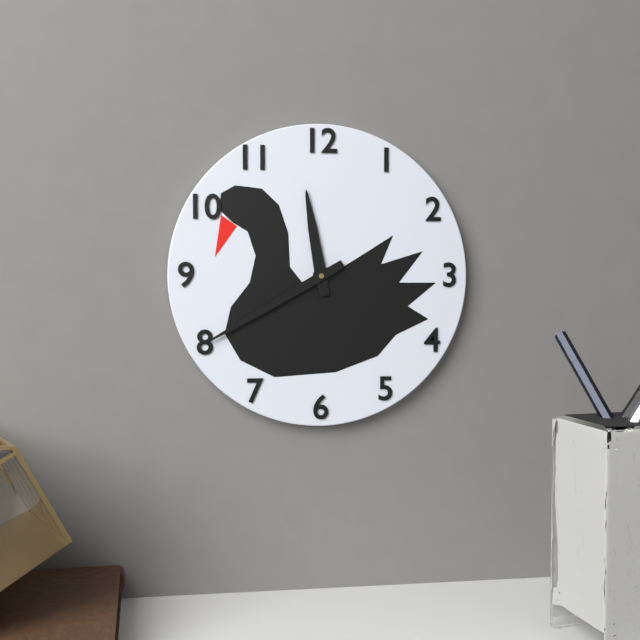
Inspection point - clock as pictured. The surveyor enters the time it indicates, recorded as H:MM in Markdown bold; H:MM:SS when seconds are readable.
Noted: **11:40**
